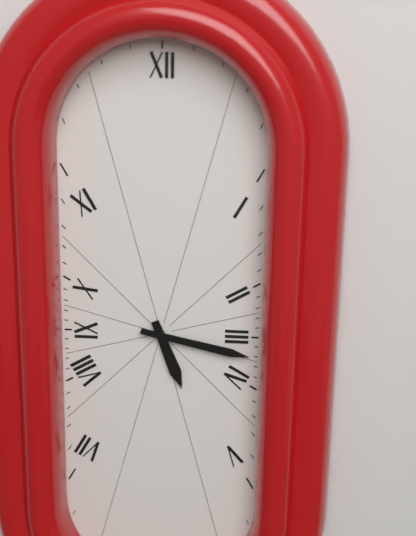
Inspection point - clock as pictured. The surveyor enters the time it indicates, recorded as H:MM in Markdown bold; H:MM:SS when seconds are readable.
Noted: **5:17**
